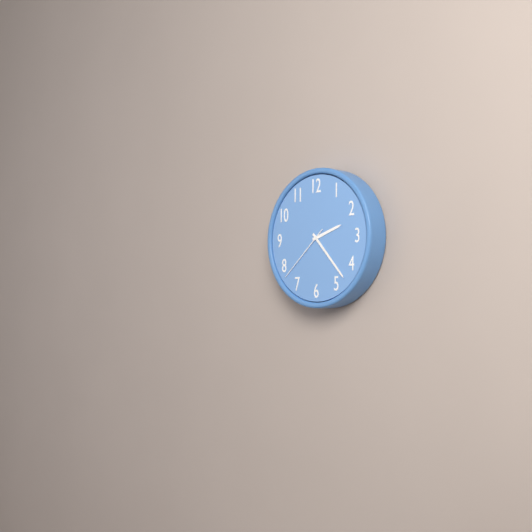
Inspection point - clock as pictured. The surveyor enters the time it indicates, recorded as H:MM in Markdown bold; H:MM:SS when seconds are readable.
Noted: **2:23:38**
